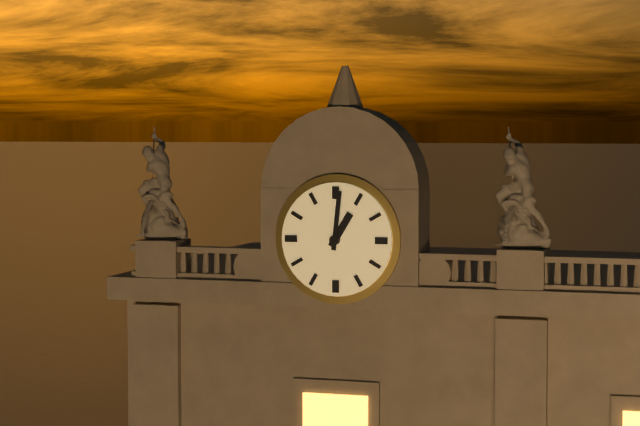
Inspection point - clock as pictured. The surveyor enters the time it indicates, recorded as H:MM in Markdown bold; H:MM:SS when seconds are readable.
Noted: **1:01**
